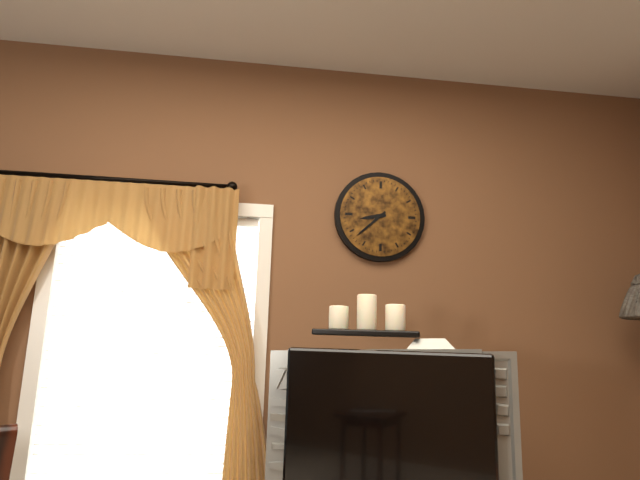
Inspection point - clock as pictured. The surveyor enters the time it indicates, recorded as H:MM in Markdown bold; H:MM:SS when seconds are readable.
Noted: **8:38**
